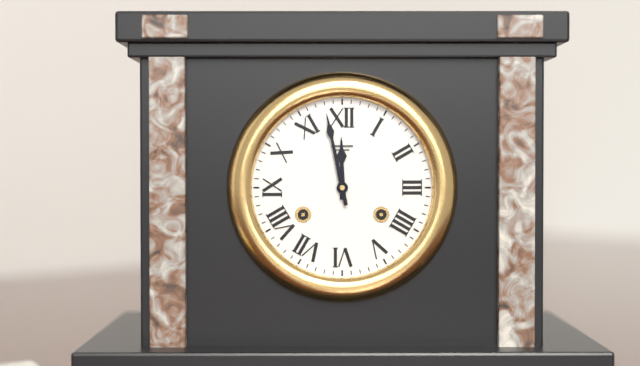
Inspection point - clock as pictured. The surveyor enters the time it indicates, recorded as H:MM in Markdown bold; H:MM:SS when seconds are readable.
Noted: **11:58**
